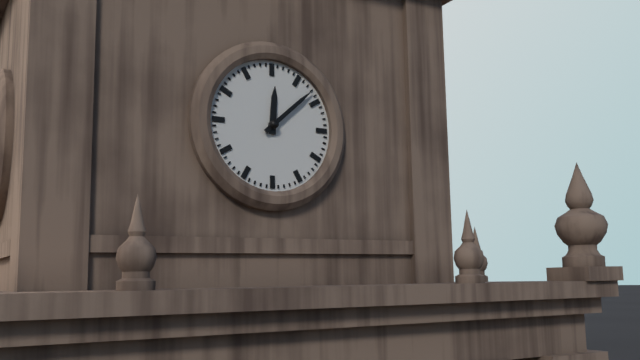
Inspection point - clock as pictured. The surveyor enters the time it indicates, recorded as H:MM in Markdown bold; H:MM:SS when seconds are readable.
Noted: **12:08**
